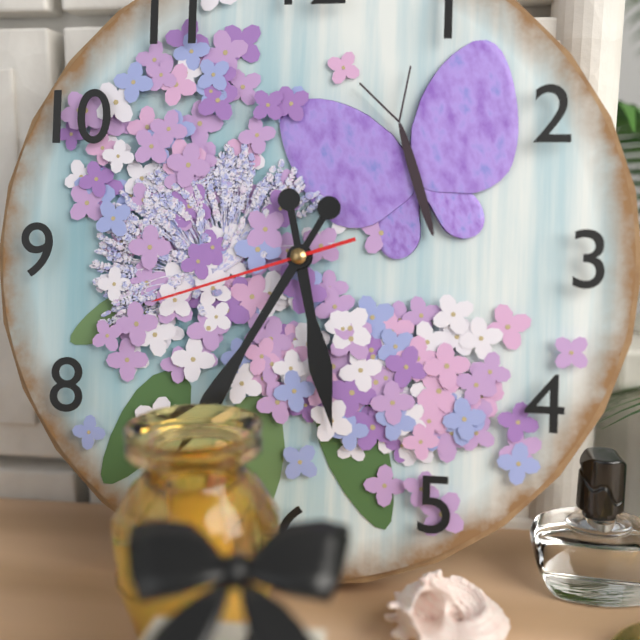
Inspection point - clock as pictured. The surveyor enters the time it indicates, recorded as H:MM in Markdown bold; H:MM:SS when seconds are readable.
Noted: **5:35:42**
